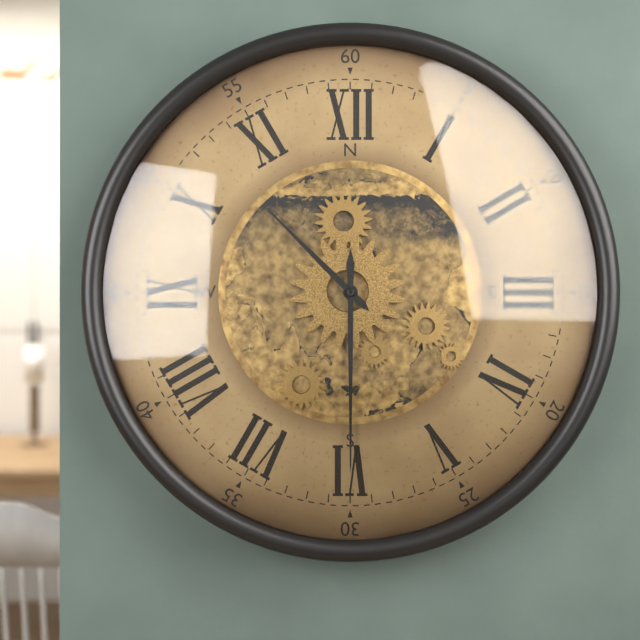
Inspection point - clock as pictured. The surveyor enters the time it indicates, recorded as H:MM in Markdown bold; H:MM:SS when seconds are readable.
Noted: **10:30**
